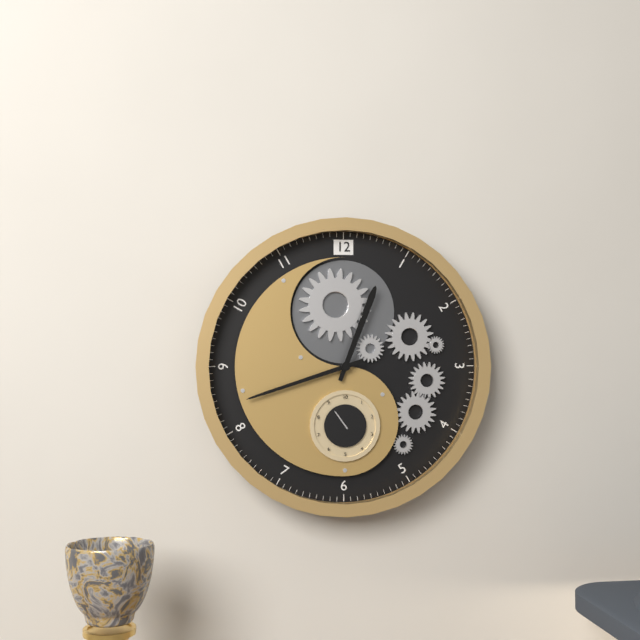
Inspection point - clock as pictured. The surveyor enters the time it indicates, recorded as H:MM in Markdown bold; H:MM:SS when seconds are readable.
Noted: **12:42**
